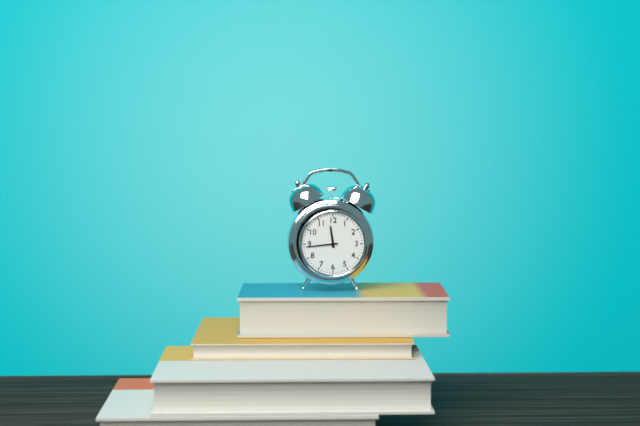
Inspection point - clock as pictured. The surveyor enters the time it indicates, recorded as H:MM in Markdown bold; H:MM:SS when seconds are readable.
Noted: **11:44**
